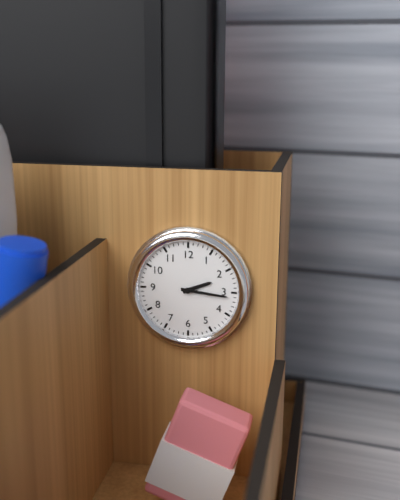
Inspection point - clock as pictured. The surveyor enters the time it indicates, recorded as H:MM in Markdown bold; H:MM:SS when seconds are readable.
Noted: **2:16**
